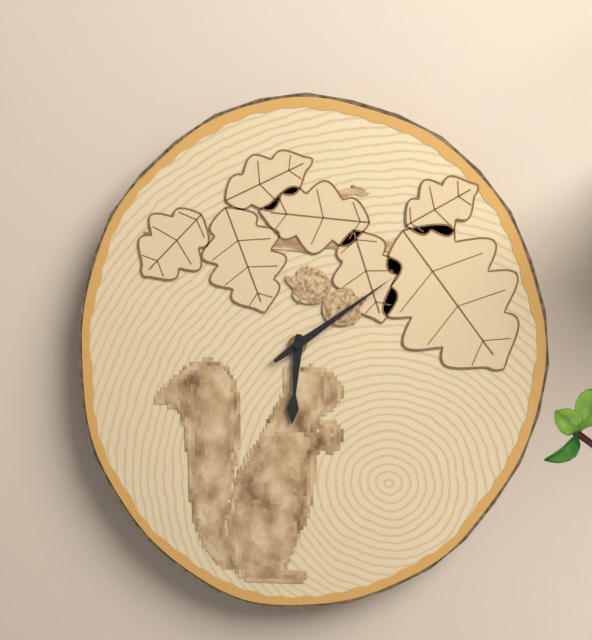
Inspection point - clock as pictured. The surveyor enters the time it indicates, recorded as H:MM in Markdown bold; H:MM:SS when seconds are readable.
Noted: **6:09**
